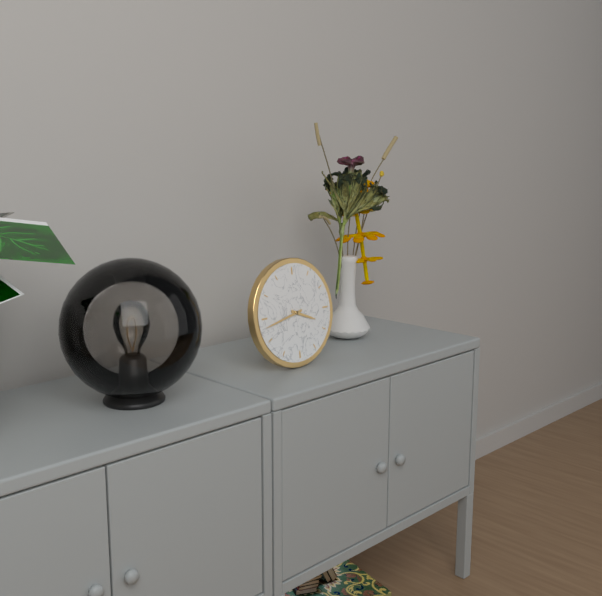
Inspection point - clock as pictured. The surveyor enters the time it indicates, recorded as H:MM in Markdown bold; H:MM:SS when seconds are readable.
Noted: **3:43**
